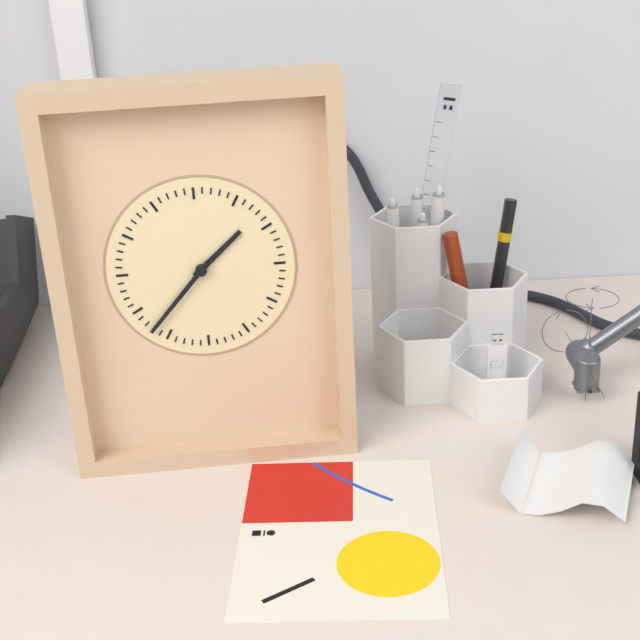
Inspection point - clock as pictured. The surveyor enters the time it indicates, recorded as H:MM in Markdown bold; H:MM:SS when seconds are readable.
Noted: **1:37**
